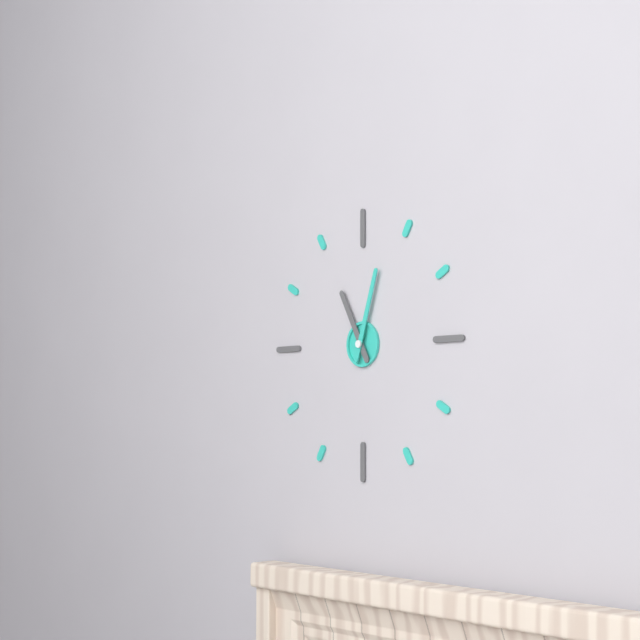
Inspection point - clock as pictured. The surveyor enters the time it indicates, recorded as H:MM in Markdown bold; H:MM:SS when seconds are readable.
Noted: **11:03**
